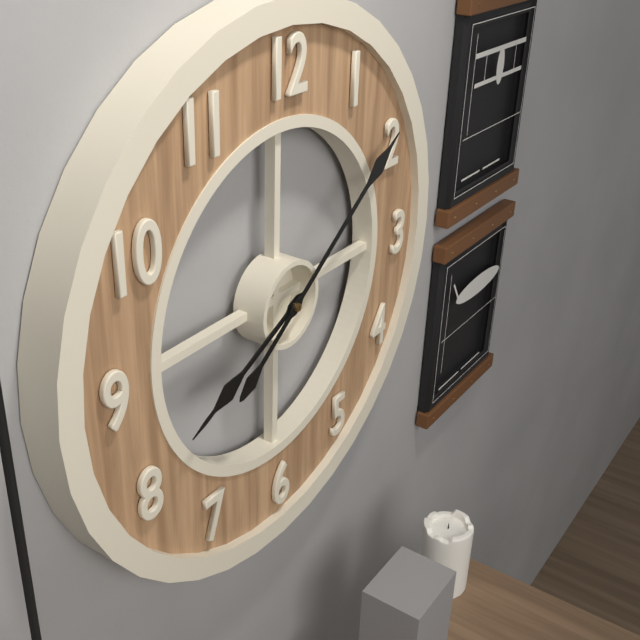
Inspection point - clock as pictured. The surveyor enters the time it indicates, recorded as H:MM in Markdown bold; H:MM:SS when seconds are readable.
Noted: **8:09**
